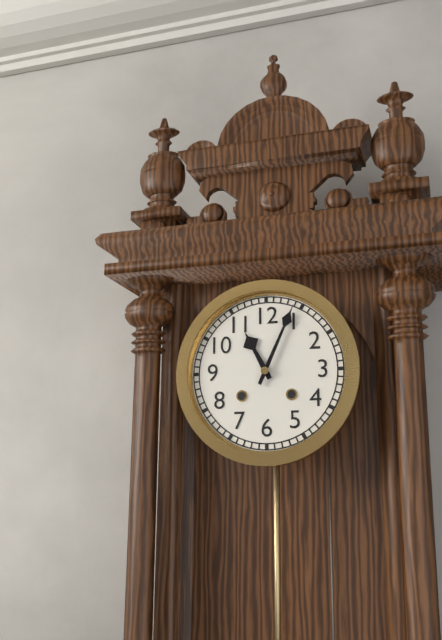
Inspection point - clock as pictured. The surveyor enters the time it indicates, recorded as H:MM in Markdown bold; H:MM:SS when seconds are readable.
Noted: **11:04**
